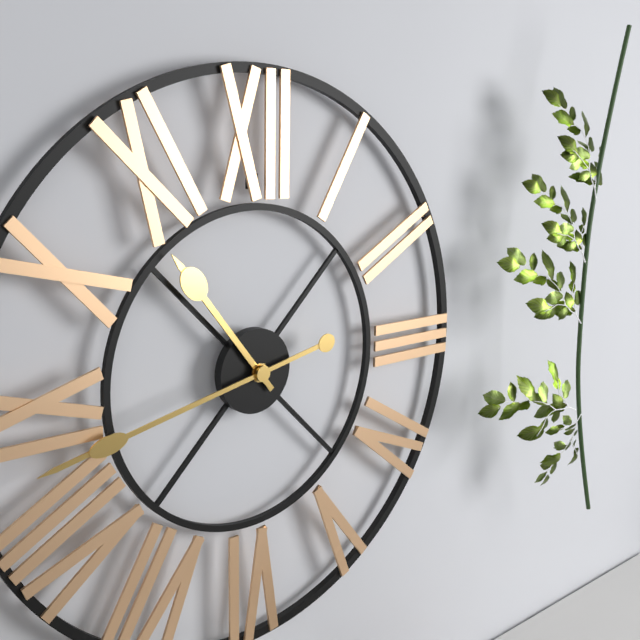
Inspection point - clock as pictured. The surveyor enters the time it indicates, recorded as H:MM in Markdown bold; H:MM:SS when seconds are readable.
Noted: **10:43**
